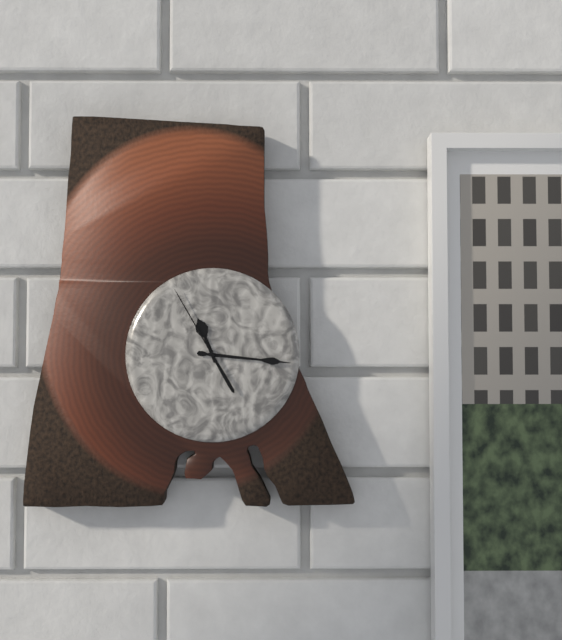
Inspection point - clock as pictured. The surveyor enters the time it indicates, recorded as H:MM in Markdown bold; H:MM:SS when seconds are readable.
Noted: **11:16:55**
